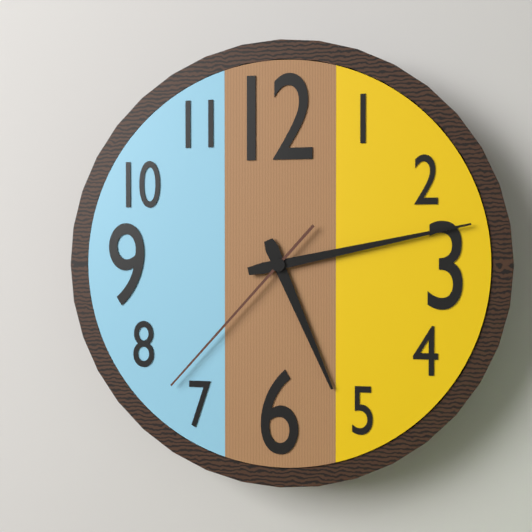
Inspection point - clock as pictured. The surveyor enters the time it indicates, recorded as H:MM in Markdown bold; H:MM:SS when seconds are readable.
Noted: **5:13:37**
